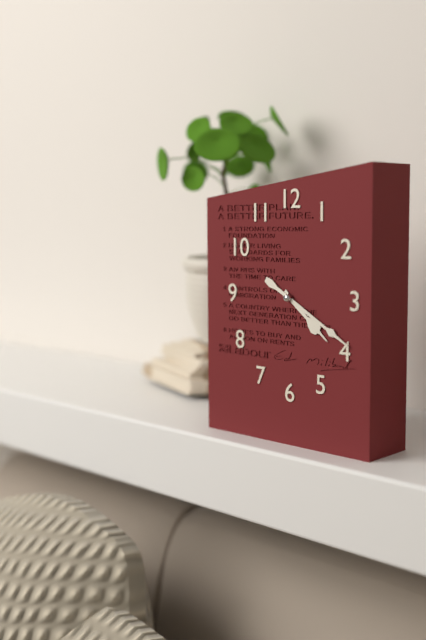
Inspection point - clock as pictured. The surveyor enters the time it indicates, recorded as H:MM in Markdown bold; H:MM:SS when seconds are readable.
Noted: **4:20**
